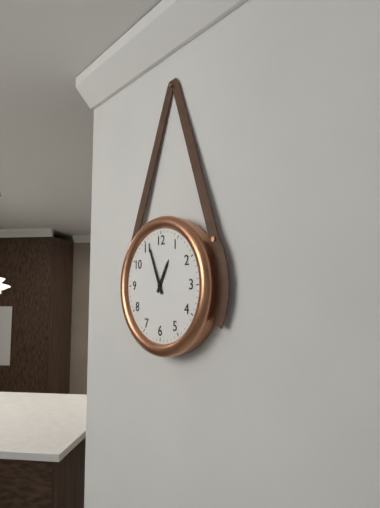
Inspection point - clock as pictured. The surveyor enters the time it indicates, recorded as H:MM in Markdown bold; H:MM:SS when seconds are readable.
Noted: **12:56**
